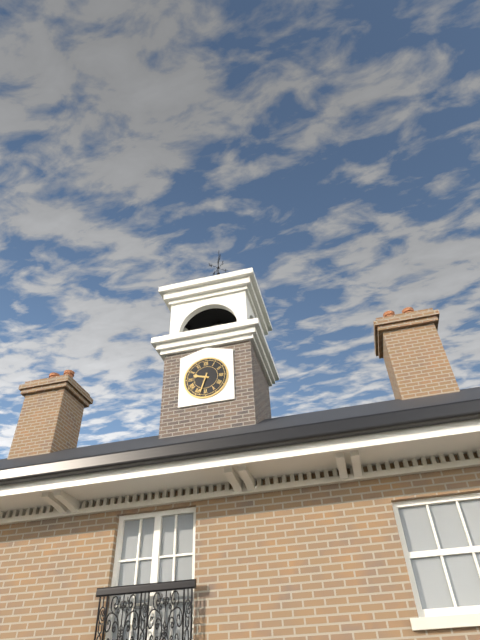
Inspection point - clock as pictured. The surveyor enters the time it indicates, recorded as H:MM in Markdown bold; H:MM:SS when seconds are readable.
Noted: **9:33**
